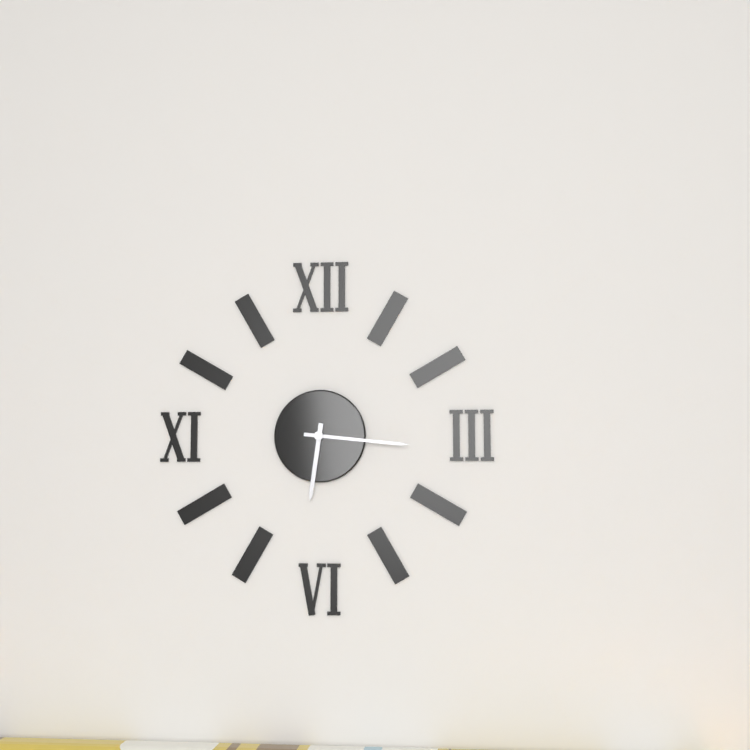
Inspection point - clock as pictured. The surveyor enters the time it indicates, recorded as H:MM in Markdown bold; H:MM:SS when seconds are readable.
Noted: **6:16**
